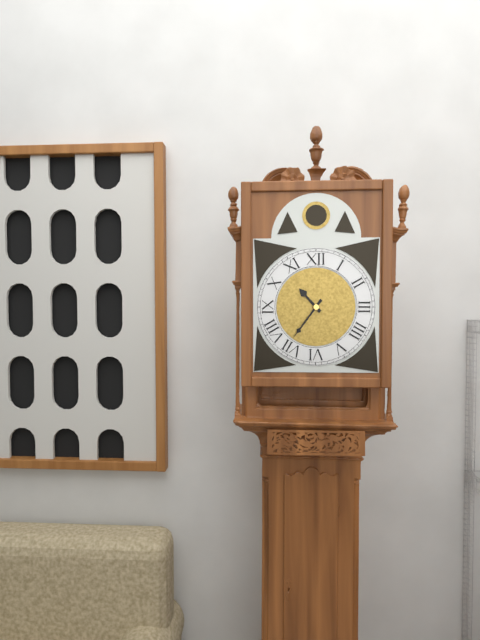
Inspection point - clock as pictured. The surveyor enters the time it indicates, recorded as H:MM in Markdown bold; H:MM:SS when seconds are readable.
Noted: **10:36**
